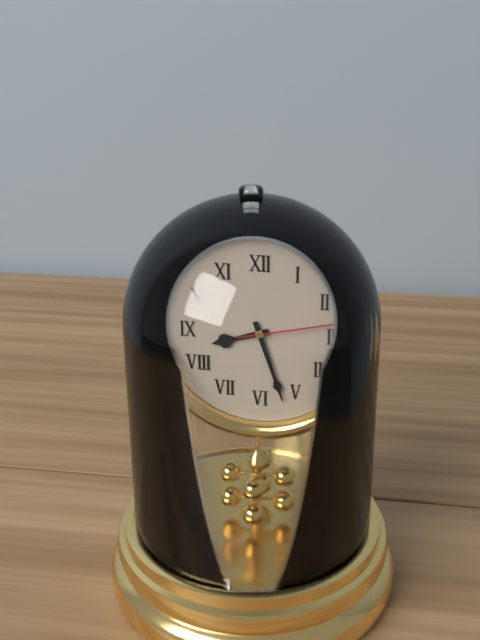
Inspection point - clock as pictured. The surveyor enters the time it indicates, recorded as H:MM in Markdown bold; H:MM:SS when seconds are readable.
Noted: **8:27:13**
